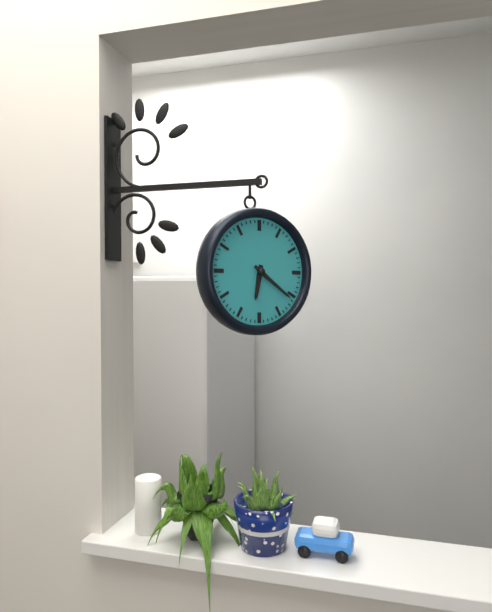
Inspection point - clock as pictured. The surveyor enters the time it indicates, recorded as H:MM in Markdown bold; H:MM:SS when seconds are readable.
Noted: **6:21**
